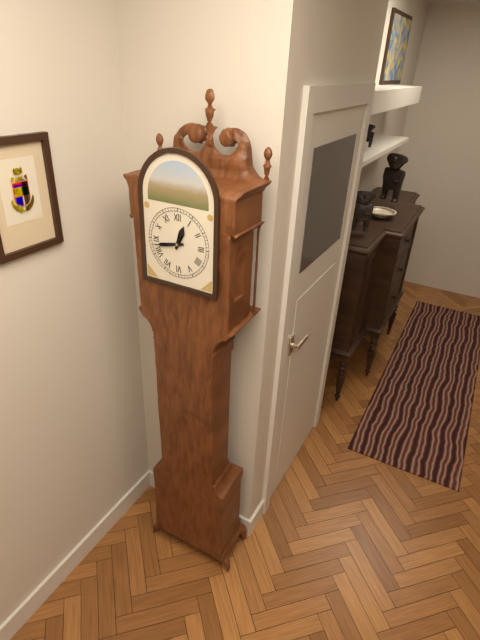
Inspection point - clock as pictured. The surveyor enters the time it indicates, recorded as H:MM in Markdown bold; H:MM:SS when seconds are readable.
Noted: **12:43**
